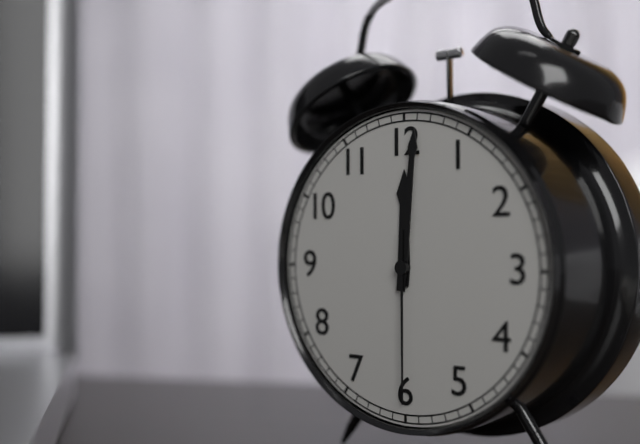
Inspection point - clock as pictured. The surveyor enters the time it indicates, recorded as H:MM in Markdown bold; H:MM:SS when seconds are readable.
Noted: **12:01:30**
